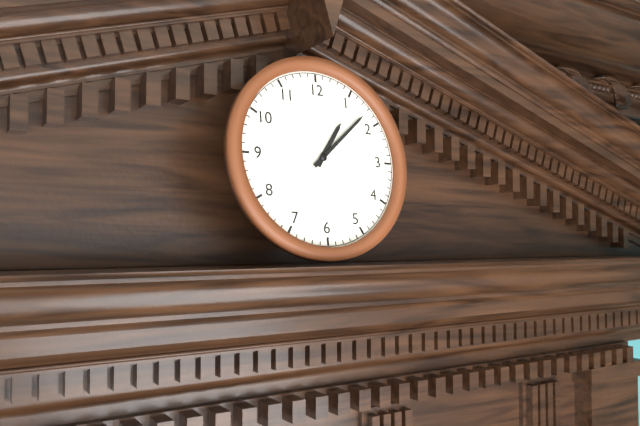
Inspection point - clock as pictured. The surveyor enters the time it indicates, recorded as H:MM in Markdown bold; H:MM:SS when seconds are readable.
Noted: **1:08**
